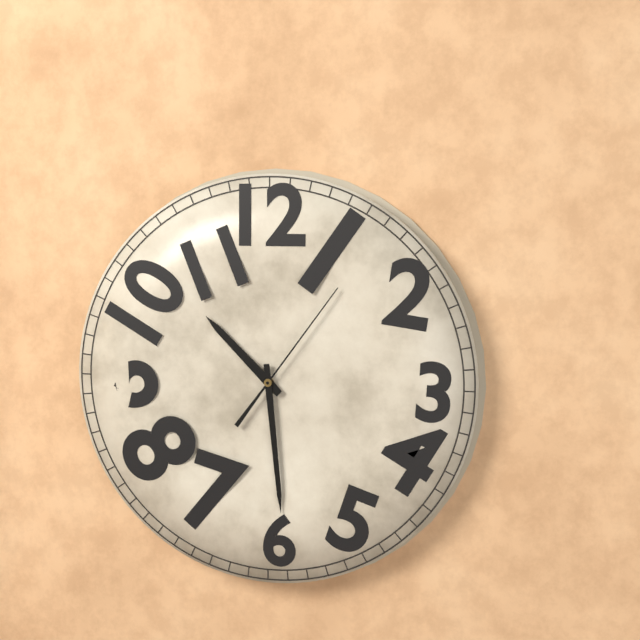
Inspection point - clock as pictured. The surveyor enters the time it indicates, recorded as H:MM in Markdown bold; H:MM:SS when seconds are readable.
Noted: **10:29:06**
